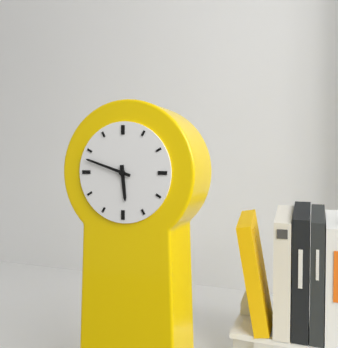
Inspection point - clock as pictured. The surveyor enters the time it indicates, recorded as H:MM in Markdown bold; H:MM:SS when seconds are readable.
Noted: **5:48**
